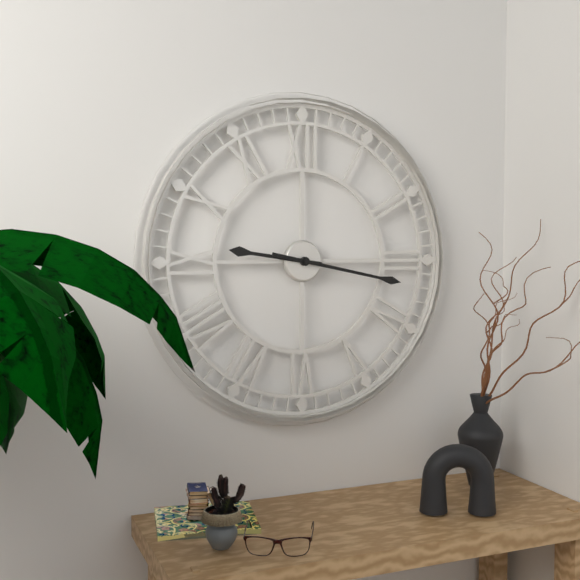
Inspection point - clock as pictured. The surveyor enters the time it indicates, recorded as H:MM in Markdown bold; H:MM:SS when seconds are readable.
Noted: **9:17**
